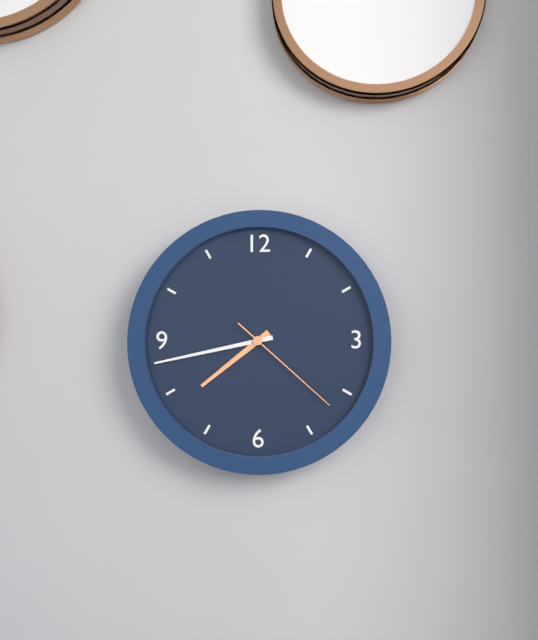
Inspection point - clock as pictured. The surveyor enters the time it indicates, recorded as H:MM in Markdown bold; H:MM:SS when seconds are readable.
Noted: **7:43:22**
